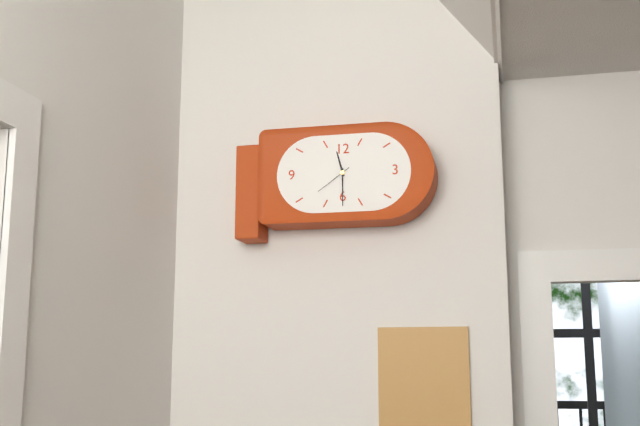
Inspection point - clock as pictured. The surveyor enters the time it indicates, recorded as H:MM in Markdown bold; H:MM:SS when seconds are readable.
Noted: **11:30**
